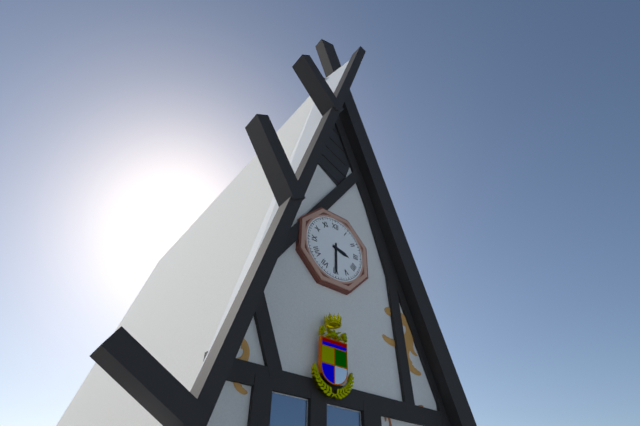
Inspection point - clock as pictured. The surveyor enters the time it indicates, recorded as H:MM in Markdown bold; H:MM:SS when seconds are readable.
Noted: **3:30**
